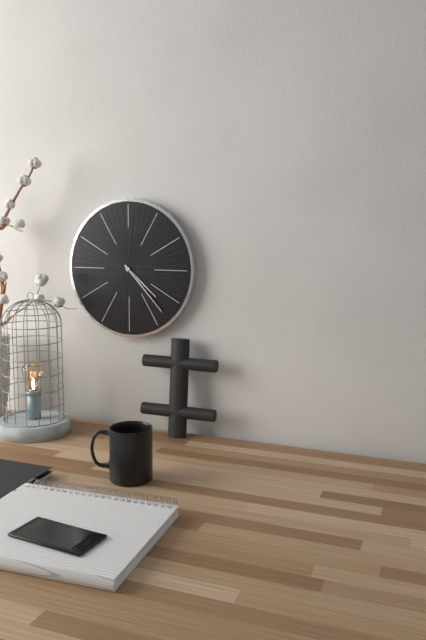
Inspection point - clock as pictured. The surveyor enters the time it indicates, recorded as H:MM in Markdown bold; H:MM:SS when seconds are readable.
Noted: **4:23**
